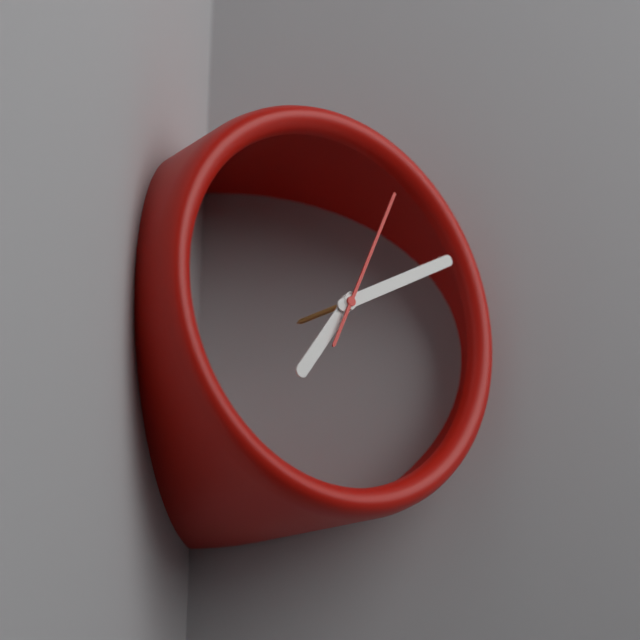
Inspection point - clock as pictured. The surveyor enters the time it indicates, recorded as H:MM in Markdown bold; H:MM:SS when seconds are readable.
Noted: **7:10:04**
